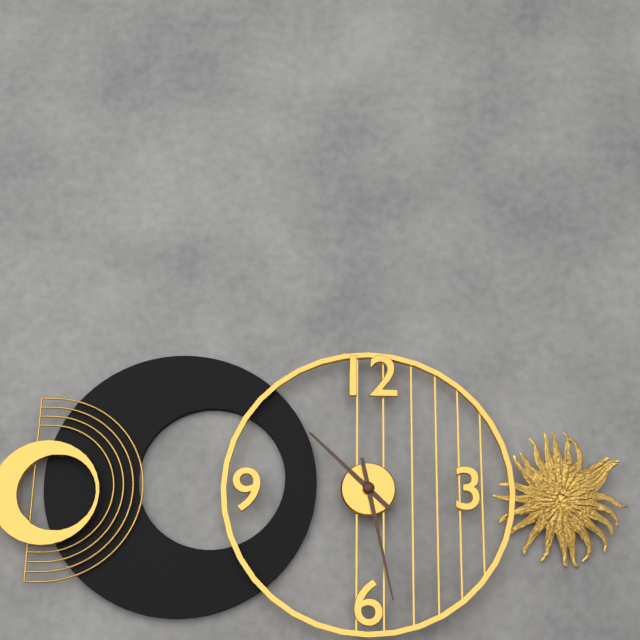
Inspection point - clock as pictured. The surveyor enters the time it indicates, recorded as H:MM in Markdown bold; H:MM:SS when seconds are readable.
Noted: **10:28**
